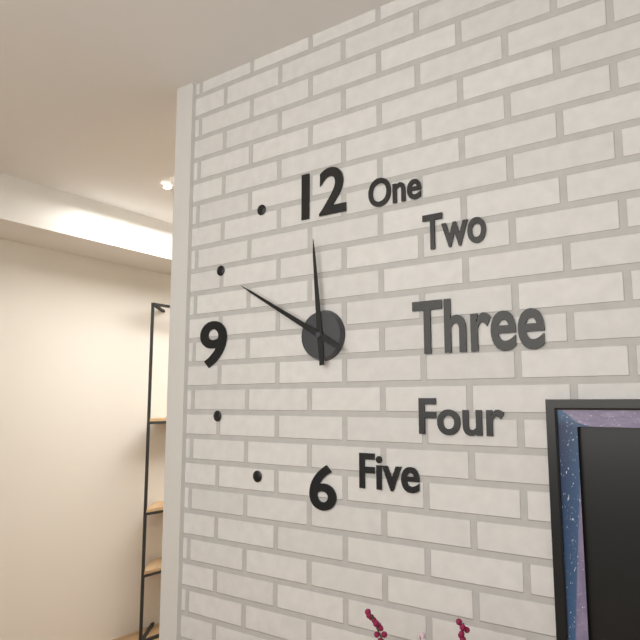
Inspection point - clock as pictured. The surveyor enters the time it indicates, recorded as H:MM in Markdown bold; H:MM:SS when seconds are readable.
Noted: **11:50**
